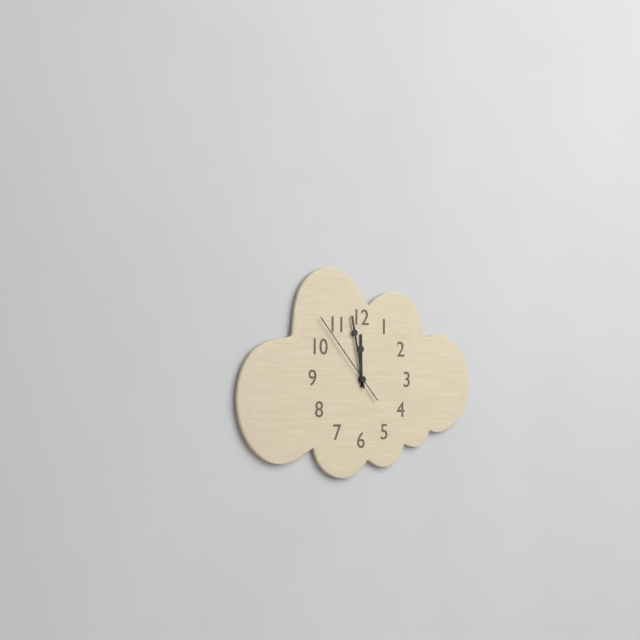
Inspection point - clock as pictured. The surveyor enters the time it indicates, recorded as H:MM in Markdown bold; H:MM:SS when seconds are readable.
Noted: **11:58:53**
